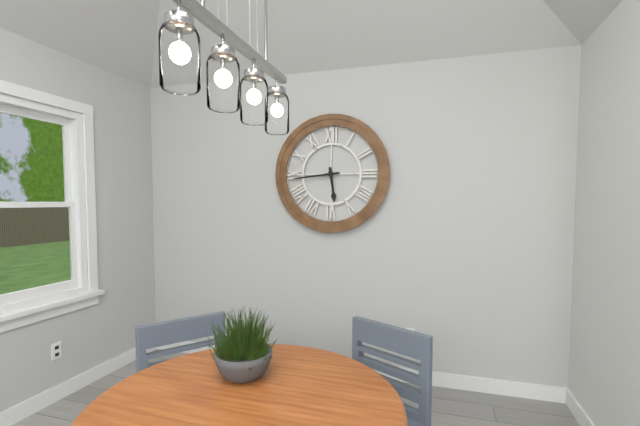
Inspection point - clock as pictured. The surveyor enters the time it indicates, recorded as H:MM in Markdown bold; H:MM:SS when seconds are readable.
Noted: **5:44**
